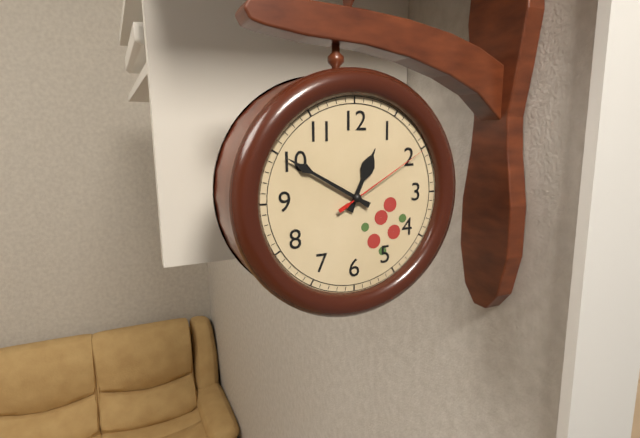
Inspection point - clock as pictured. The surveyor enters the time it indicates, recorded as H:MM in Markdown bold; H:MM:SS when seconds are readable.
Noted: **12:50:10**
